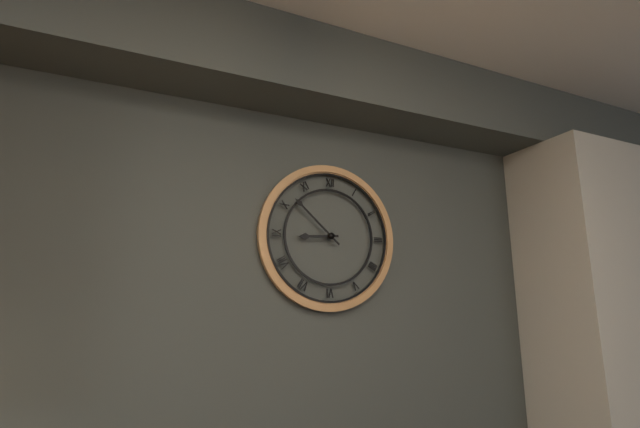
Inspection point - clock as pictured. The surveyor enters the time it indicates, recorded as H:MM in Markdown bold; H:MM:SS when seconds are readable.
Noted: **8:52**
